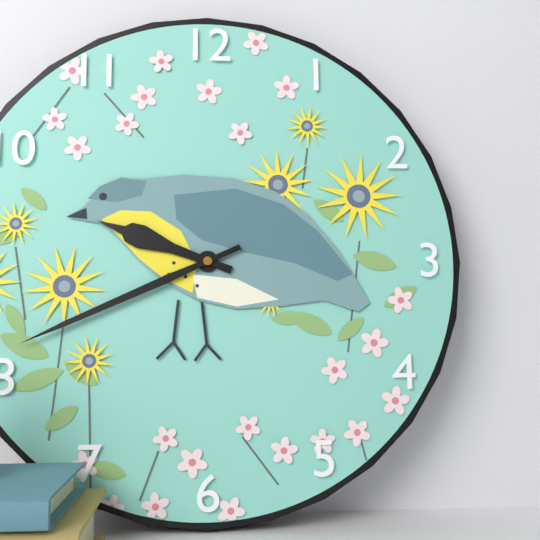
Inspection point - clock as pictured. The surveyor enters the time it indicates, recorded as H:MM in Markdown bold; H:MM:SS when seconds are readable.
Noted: **9:41**
